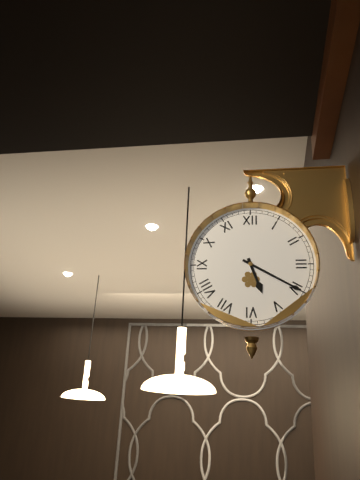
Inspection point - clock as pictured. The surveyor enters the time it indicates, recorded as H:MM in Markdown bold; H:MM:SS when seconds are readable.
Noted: **5:20**
